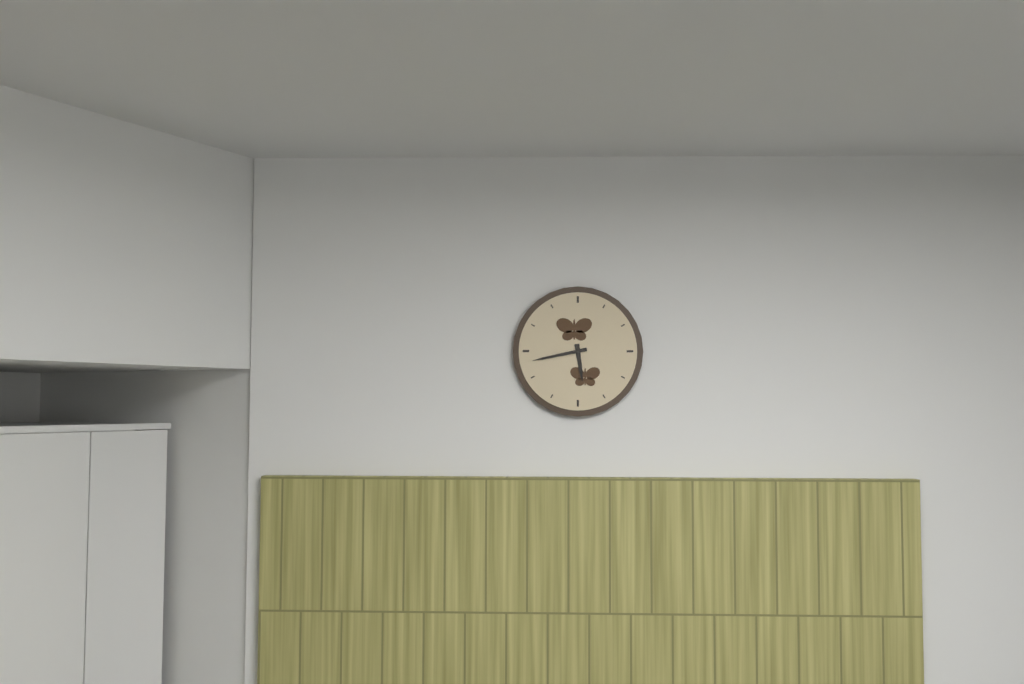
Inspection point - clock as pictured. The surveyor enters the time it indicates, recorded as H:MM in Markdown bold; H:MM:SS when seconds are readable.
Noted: **5:43**
